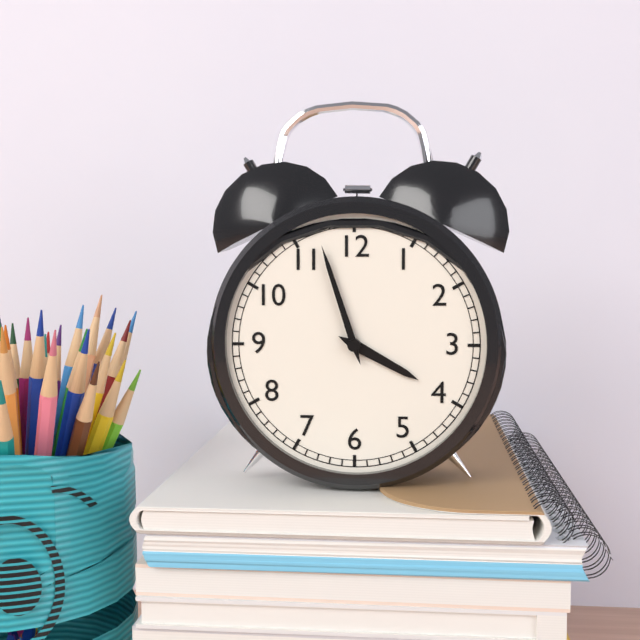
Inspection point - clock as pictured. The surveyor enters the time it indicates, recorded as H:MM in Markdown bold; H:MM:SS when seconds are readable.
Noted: **3:57**
